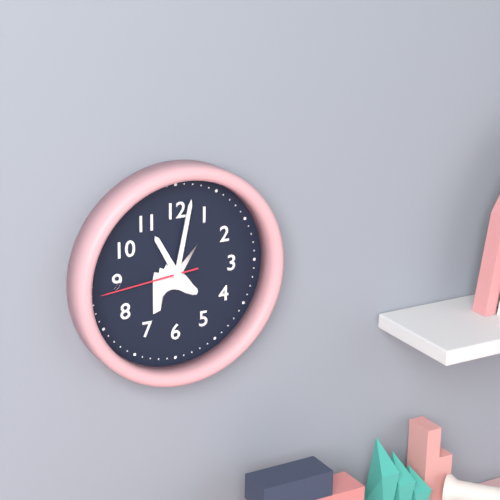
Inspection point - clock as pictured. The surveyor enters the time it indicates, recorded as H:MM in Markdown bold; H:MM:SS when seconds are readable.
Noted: **11:02:44**
